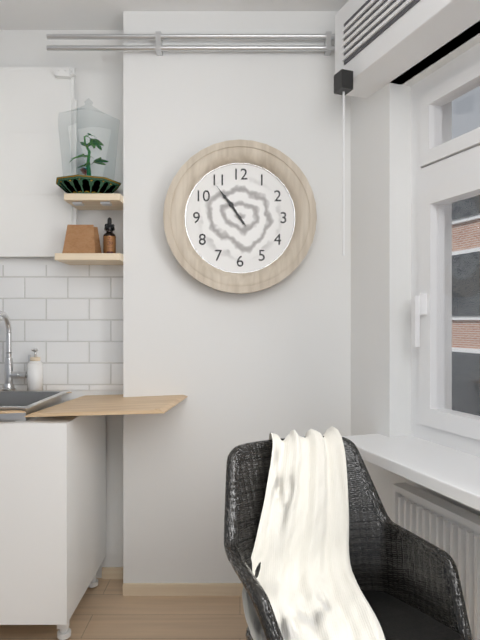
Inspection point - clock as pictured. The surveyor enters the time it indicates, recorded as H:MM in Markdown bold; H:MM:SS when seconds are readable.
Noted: **10:54**
